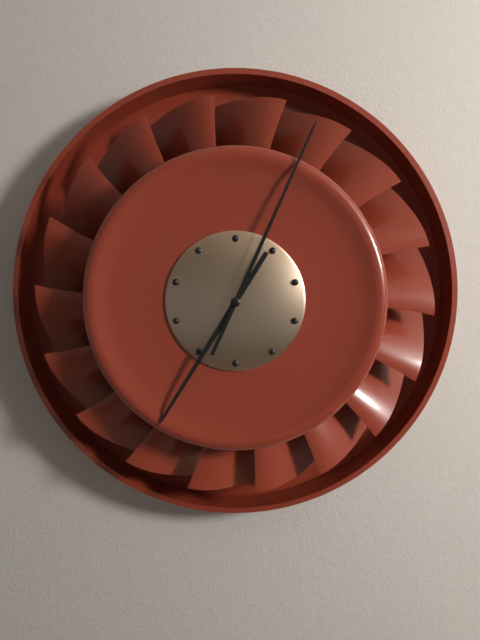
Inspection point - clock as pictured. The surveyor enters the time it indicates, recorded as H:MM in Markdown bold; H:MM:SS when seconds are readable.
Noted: **7:04**
